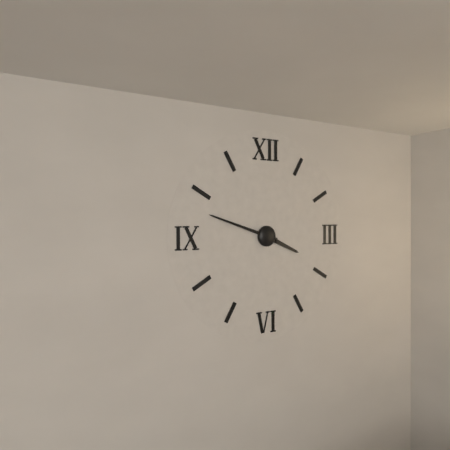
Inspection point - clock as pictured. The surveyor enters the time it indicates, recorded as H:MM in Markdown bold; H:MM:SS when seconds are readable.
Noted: **3:48**
